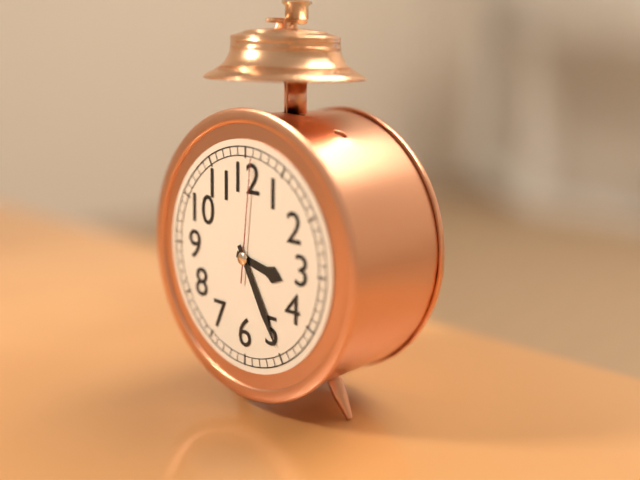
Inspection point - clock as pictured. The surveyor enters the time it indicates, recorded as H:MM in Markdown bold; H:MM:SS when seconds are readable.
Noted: **3:25:01**
